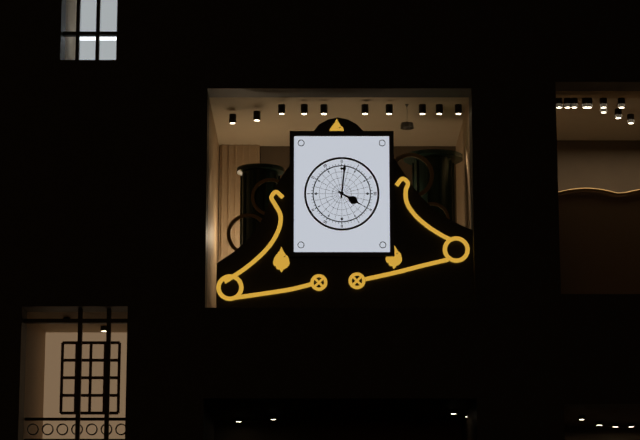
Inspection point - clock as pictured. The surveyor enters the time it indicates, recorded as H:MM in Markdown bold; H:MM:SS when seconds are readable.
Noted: **4:01**
